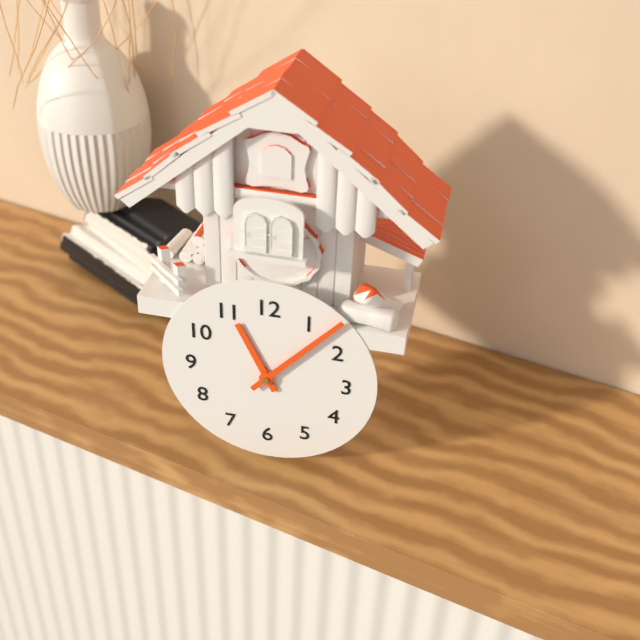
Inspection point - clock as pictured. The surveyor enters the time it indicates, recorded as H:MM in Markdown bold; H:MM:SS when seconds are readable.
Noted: **11:07**
